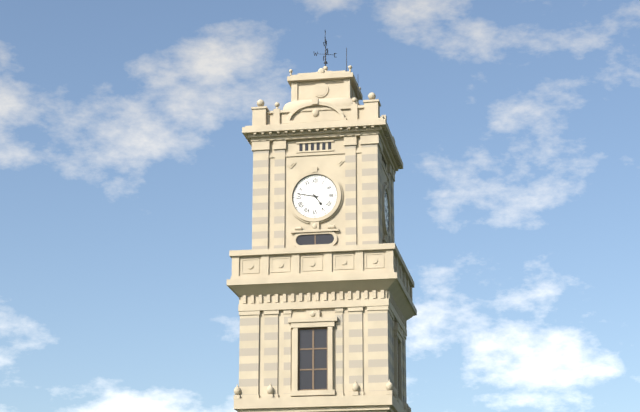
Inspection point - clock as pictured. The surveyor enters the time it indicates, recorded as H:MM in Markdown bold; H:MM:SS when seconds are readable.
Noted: **4:47**
